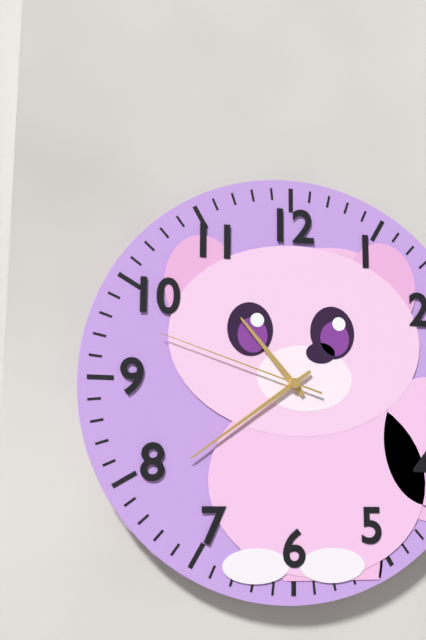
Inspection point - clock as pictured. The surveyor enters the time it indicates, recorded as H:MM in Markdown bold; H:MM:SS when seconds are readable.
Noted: **10:39:48**
